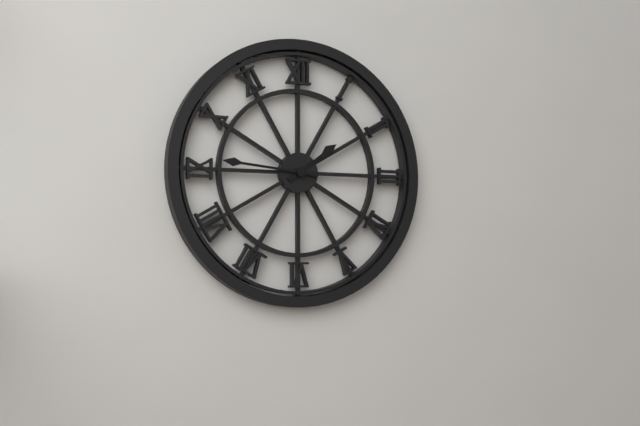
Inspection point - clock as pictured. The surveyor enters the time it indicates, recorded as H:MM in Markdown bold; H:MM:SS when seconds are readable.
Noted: **1:46**
